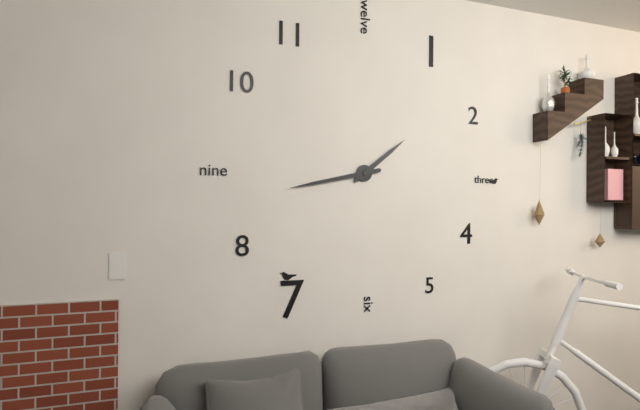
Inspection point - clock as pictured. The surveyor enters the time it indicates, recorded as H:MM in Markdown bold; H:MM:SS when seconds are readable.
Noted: **1:43**
